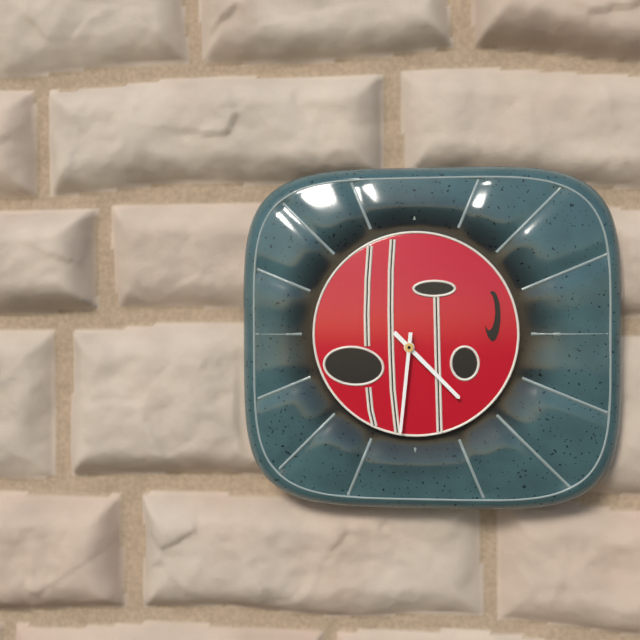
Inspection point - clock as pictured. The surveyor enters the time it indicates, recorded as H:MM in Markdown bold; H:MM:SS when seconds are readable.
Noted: **4:31**
